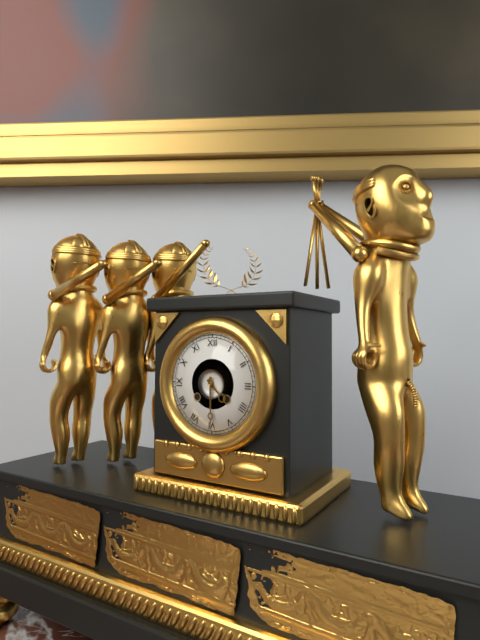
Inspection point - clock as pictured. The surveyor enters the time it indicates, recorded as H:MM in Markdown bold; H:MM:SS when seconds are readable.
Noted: **4:30**
